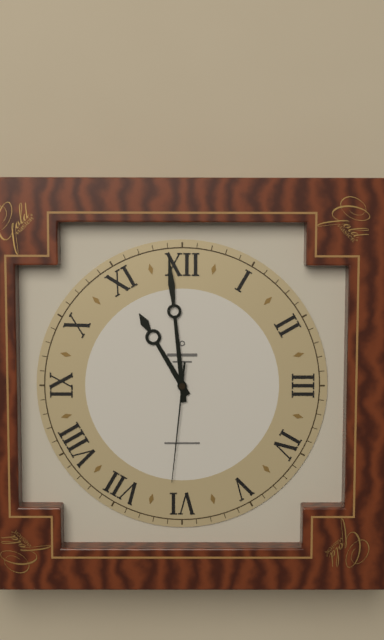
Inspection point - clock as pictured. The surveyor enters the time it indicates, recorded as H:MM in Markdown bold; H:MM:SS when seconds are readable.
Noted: **10:59:31**
